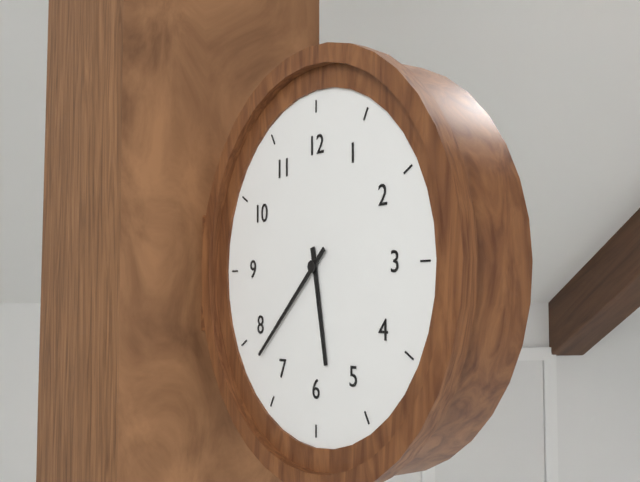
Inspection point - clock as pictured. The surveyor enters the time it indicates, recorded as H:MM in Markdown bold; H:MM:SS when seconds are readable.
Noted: **5:38**
